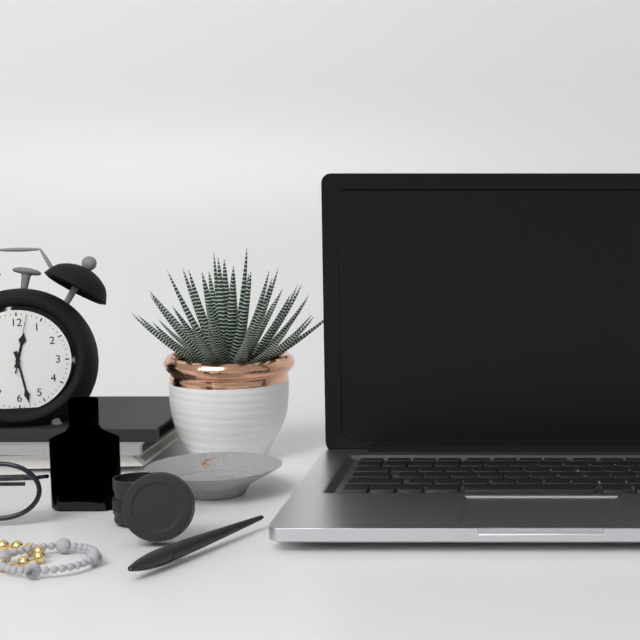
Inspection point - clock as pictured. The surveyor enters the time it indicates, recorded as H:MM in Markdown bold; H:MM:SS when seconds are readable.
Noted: **12:28:02**
